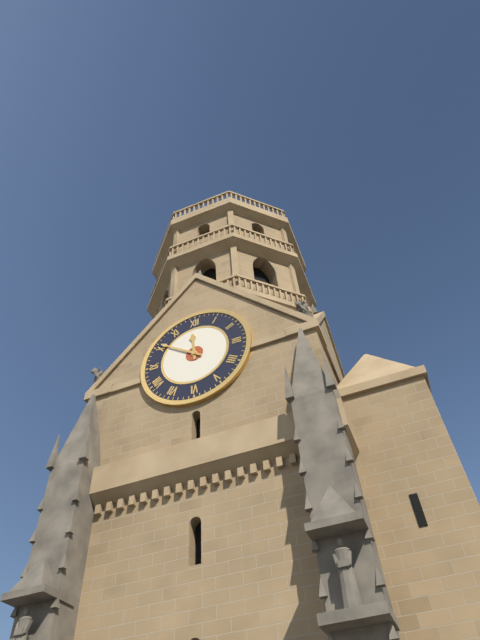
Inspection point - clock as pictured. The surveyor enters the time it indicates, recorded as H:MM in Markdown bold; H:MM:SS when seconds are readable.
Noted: **11:51**
